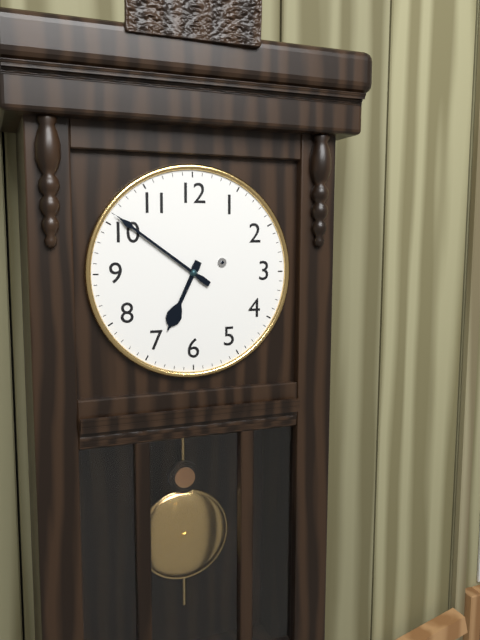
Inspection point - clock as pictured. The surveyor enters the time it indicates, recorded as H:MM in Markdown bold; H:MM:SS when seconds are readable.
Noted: **6:51**
